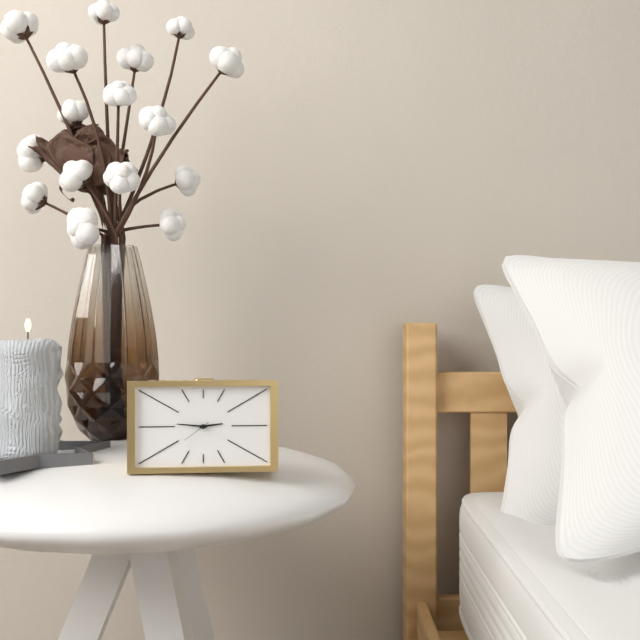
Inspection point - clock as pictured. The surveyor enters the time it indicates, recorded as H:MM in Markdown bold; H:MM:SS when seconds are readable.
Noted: **2:46**
